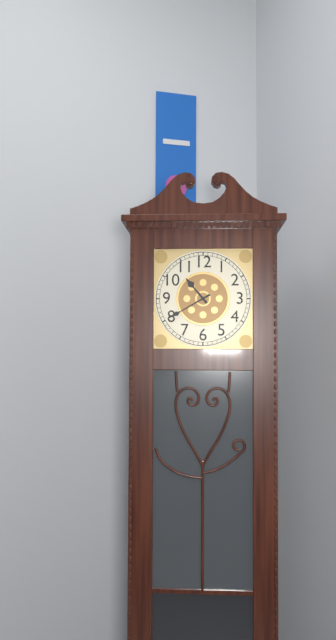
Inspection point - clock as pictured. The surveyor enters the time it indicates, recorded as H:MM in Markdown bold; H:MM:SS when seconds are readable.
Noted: **10:40**
